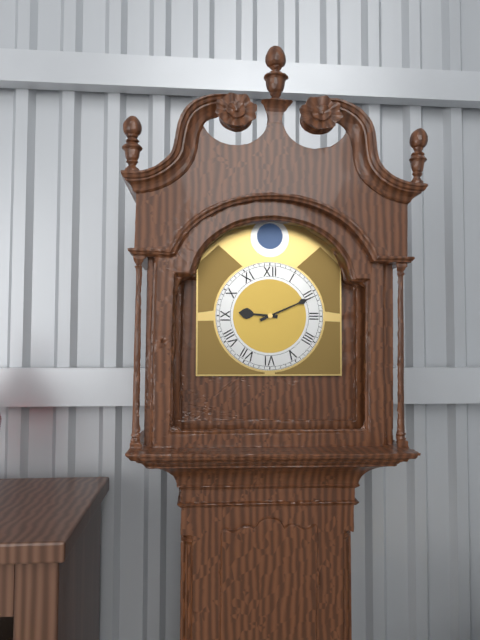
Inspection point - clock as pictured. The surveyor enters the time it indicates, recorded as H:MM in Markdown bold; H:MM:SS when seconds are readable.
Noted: **9:11**
